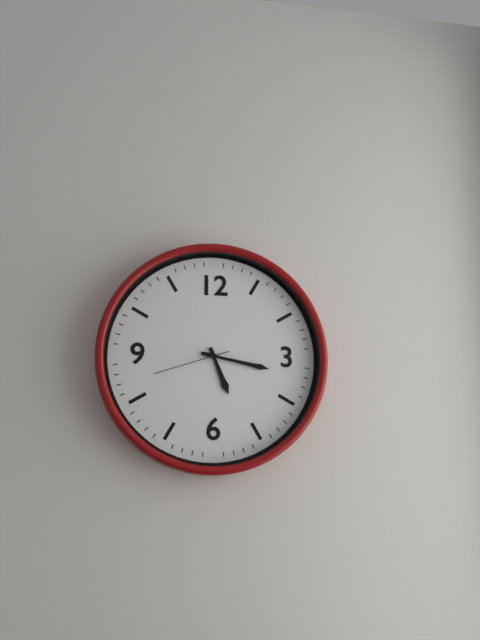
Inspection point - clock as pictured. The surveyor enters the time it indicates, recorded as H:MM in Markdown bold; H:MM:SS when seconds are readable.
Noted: **5:17:42**
